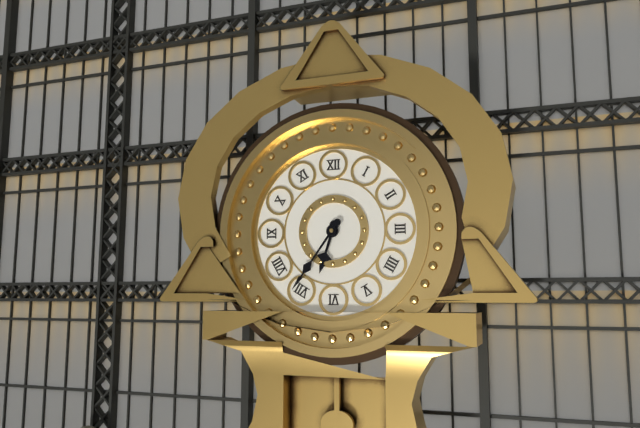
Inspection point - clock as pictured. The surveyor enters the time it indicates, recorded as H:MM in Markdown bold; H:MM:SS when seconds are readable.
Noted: **6:36**
